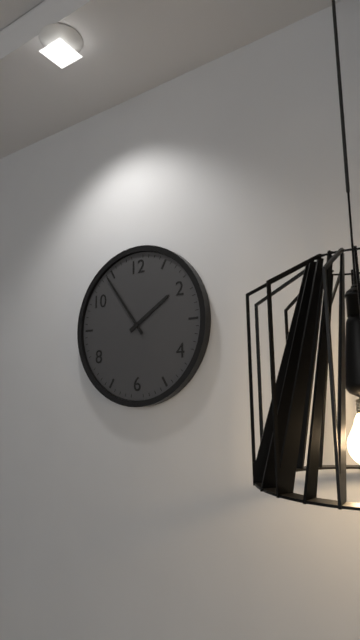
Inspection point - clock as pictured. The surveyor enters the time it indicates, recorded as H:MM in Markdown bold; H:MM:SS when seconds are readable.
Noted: **1:54**
